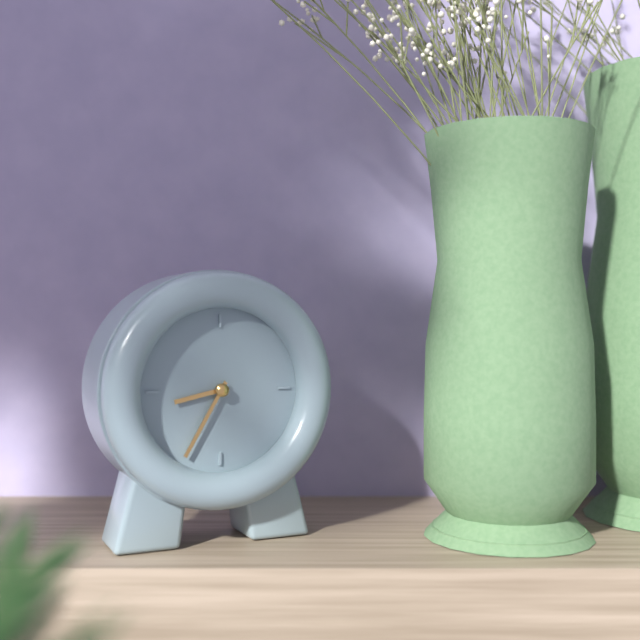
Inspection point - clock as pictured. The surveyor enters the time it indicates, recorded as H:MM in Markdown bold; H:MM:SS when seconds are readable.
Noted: **8:35**
